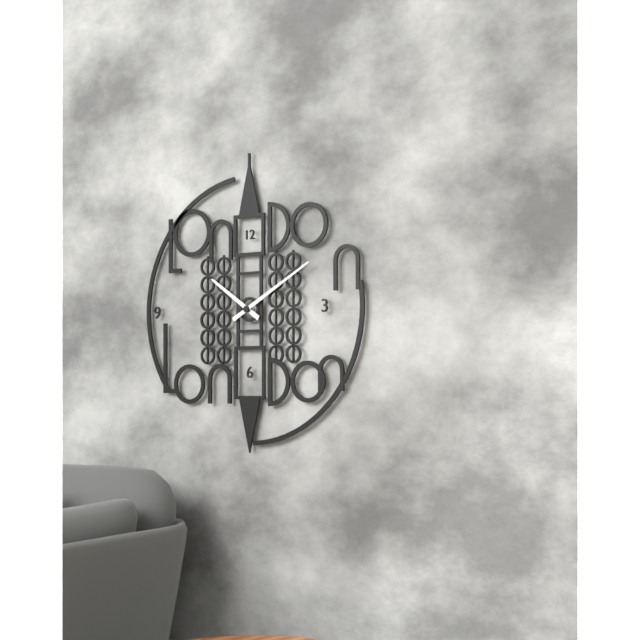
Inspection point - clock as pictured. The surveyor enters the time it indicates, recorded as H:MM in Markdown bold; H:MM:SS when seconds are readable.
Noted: **10:10**
